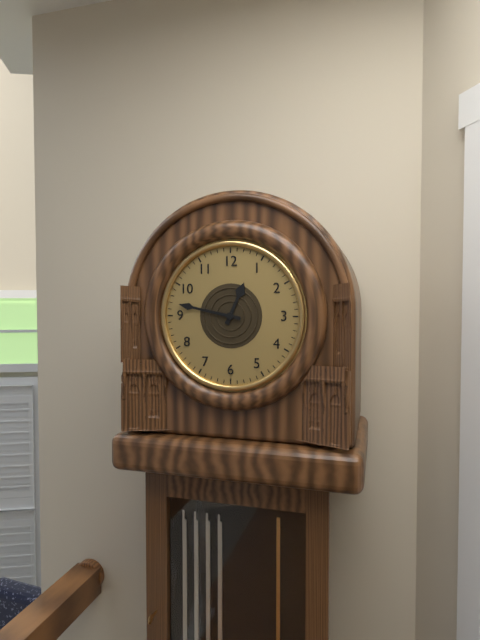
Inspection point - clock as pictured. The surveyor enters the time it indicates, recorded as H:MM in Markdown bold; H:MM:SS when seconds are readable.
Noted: **12:47**
